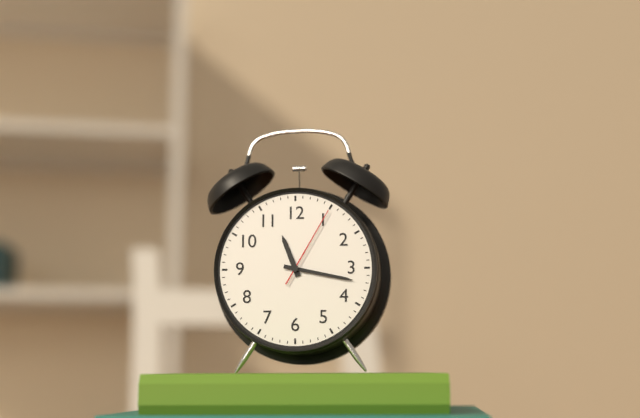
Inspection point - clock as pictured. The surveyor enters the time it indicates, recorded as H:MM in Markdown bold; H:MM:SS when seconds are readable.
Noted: **11:17:05**
